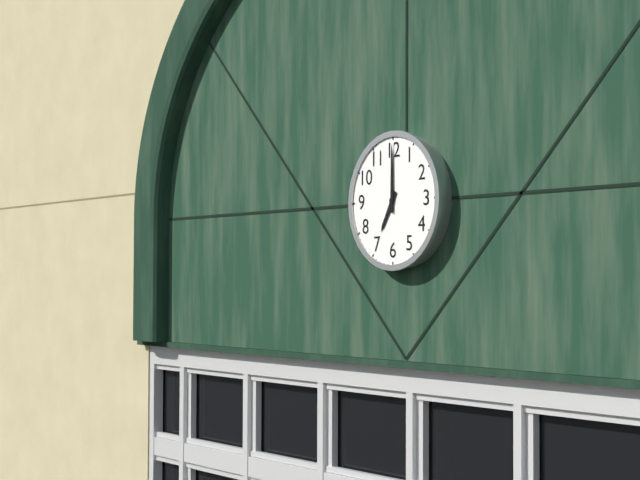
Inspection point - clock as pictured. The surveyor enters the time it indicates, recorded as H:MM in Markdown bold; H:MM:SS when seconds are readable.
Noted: **7:00**
